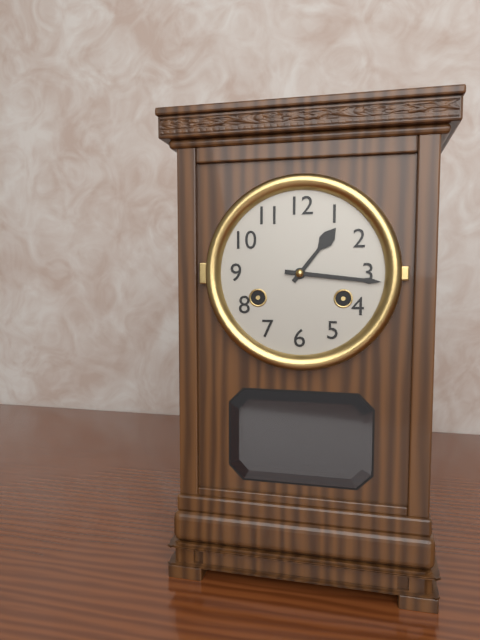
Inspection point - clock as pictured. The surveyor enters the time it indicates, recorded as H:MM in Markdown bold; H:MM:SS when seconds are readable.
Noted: **1:16**
